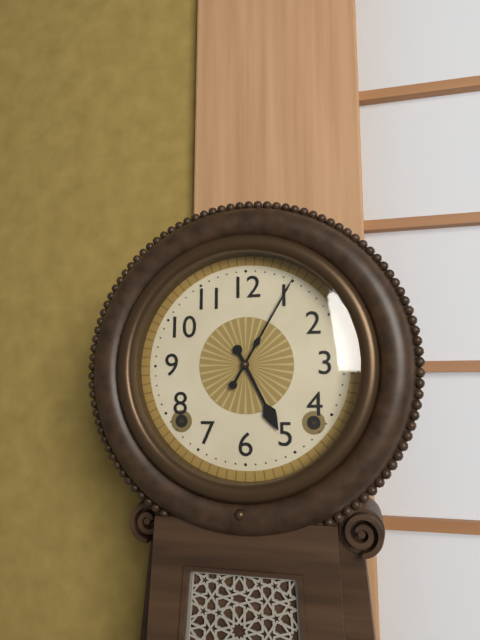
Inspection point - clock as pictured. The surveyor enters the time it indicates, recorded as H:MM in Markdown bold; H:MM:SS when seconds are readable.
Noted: **5:05**
